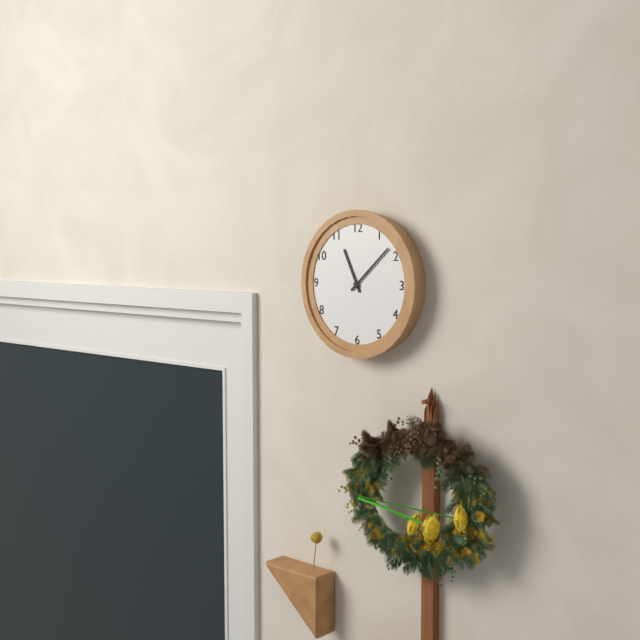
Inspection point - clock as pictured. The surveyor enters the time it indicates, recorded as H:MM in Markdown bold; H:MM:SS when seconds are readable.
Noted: **11:08**
